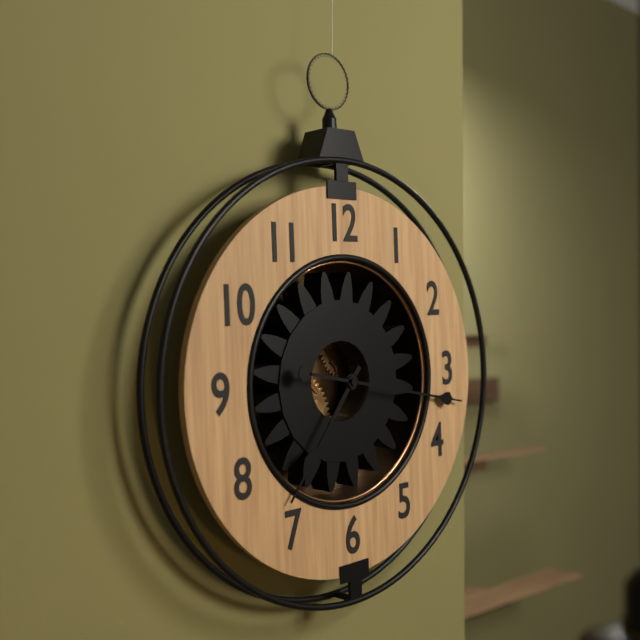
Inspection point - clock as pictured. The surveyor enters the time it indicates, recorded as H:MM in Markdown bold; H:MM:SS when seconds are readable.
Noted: **7:17**
